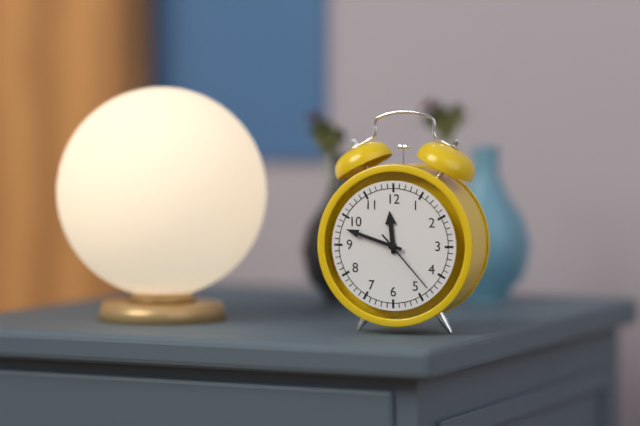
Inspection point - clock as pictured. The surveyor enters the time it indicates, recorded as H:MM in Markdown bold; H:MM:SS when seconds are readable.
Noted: **11:48:23**
